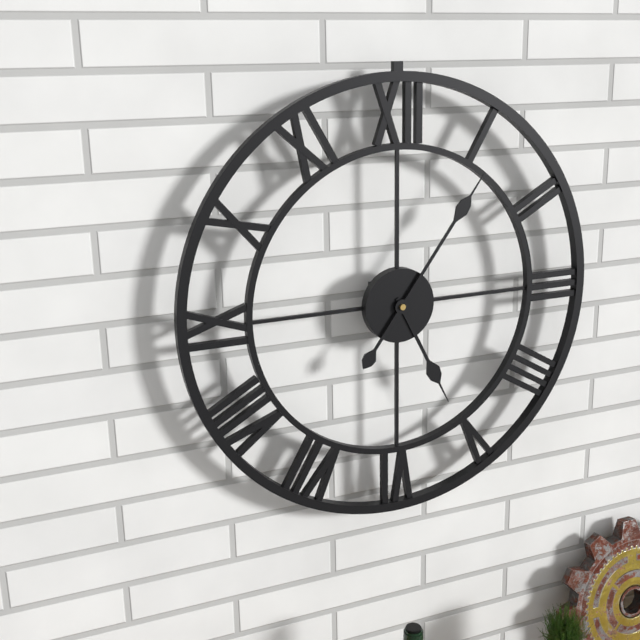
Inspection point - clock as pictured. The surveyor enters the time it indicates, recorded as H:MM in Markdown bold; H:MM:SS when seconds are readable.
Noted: **5:06**
